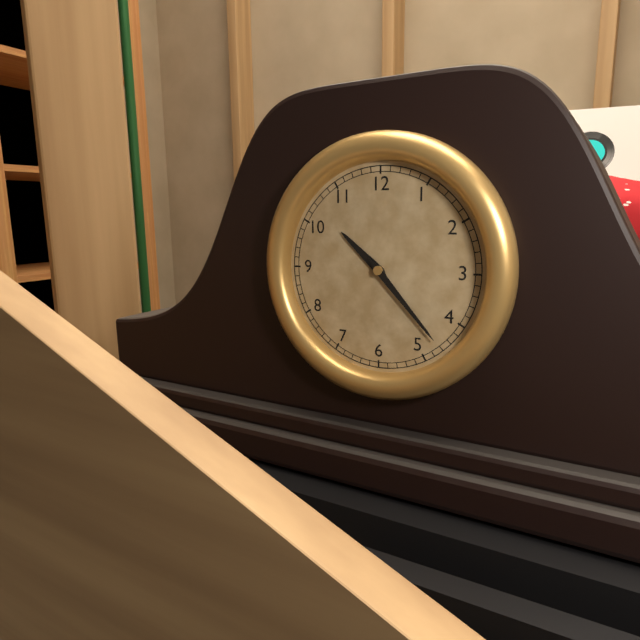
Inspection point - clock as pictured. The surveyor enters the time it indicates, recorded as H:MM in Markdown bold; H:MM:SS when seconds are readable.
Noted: **10:23**
